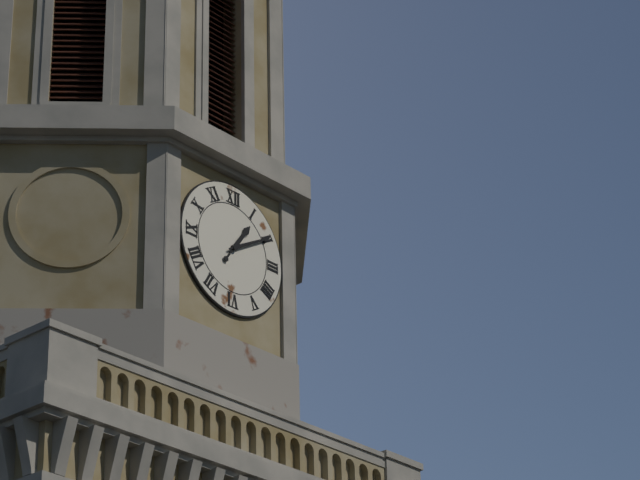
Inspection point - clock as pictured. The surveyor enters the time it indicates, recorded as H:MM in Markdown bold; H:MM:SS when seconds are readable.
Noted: **1:10**
